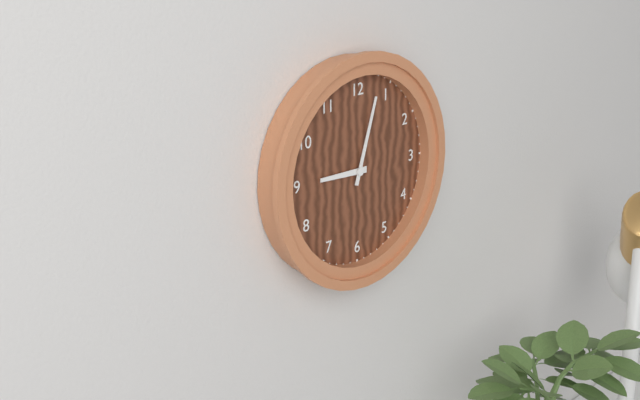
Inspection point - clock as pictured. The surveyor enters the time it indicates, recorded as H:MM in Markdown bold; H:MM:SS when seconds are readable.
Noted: **9:03**
